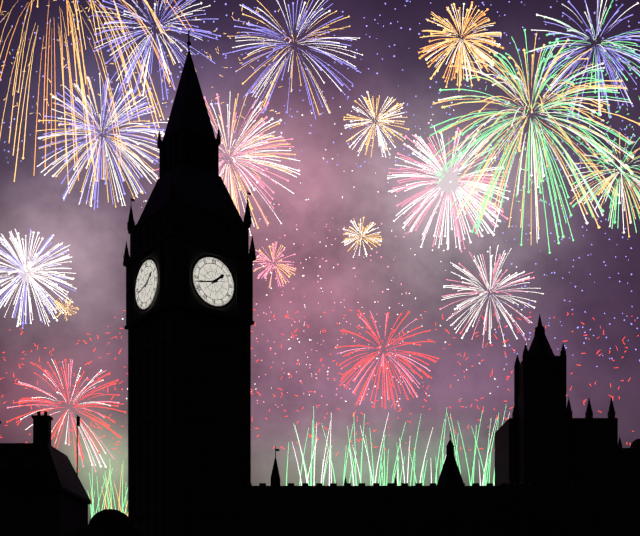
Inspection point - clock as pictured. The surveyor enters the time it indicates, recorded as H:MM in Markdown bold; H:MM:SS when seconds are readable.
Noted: **1:43**
